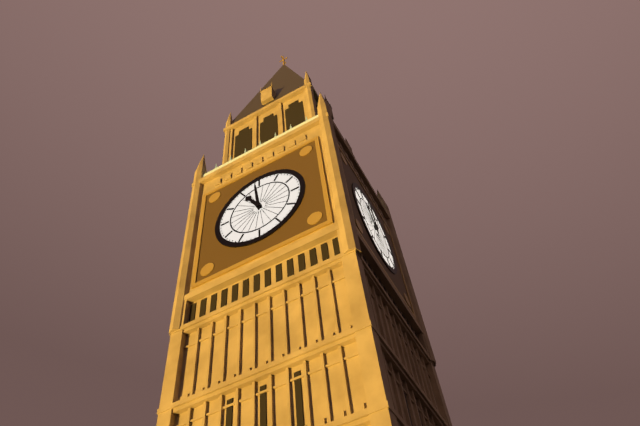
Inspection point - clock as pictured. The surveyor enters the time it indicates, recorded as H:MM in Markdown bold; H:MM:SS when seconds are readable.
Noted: **10:59**
